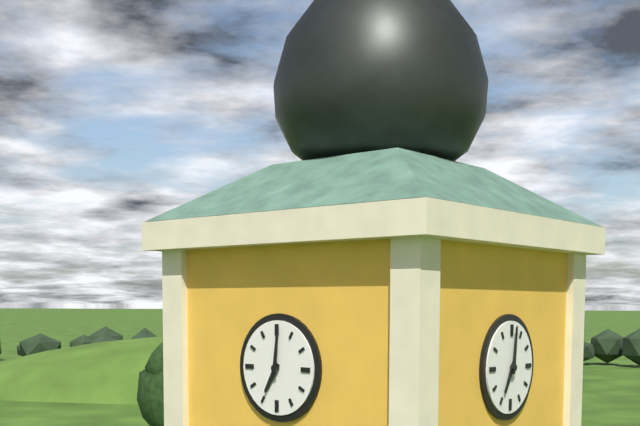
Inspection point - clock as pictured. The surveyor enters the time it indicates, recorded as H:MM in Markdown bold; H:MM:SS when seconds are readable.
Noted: **7:01**
